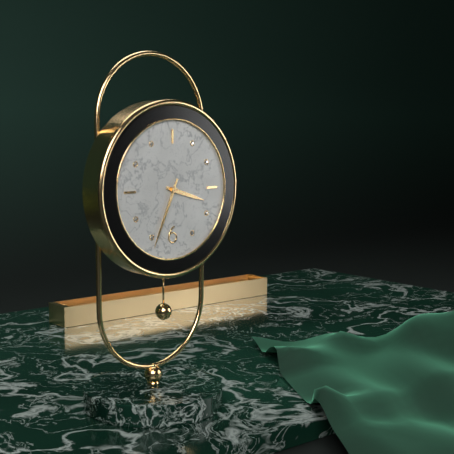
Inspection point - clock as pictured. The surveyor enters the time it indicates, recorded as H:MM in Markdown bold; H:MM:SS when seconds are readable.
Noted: **3:34**
